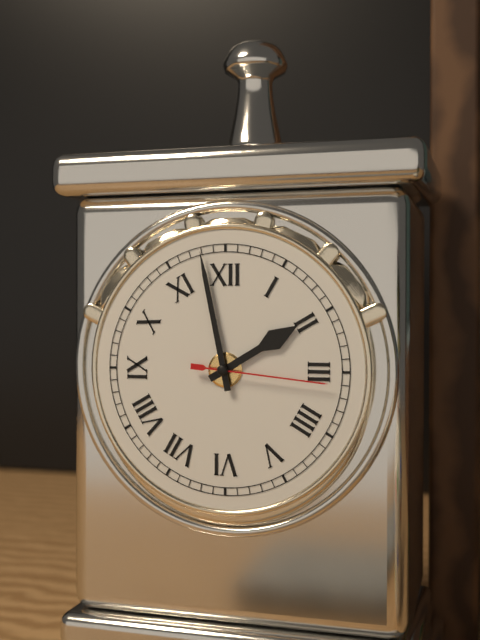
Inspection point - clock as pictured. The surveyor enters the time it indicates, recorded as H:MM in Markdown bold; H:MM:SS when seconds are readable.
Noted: **1:58:16**
